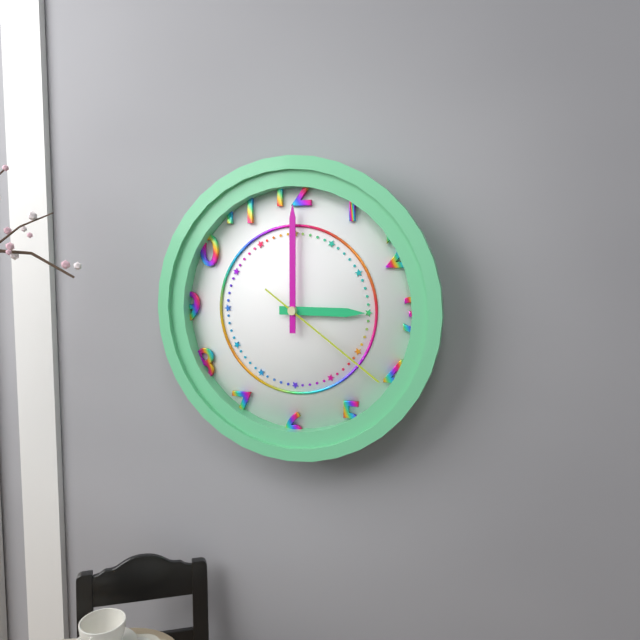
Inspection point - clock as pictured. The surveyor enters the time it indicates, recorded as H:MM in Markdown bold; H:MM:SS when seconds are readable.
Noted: **3:00:21**
